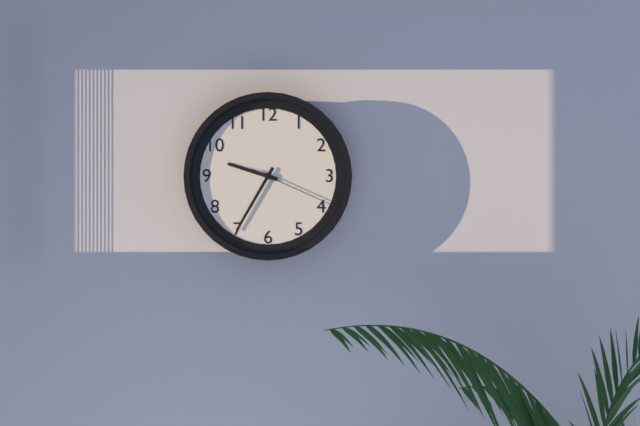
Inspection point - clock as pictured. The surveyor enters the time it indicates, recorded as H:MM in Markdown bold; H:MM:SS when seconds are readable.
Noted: **9:35:19**
